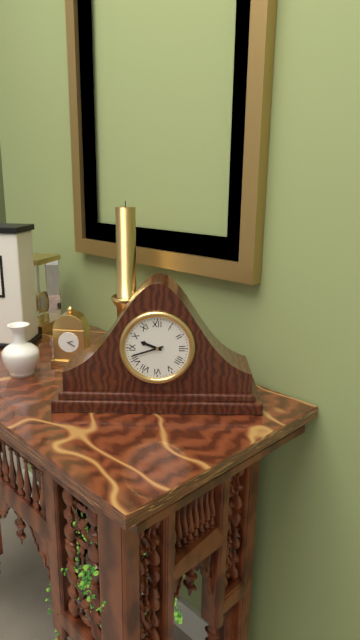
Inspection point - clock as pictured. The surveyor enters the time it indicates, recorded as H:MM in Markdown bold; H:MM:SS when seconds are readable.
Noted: **9:42**
